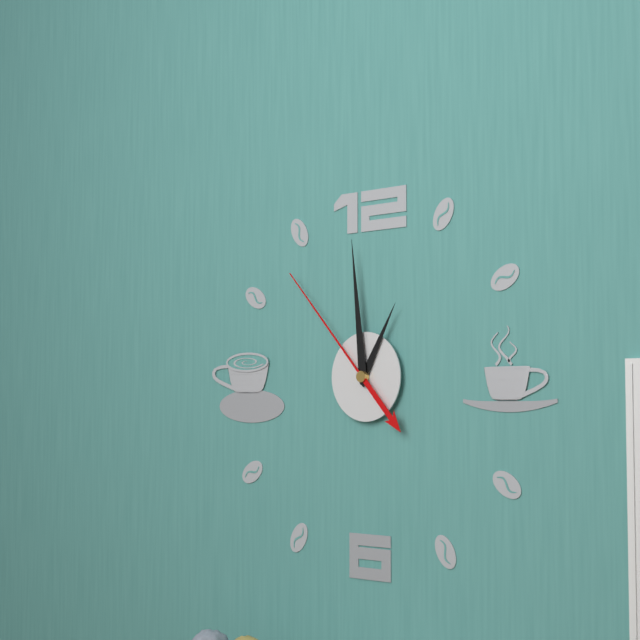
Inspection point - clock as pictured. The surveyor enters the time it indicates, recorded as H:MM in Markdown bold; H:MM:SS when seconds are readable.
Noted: **12:59:53**
